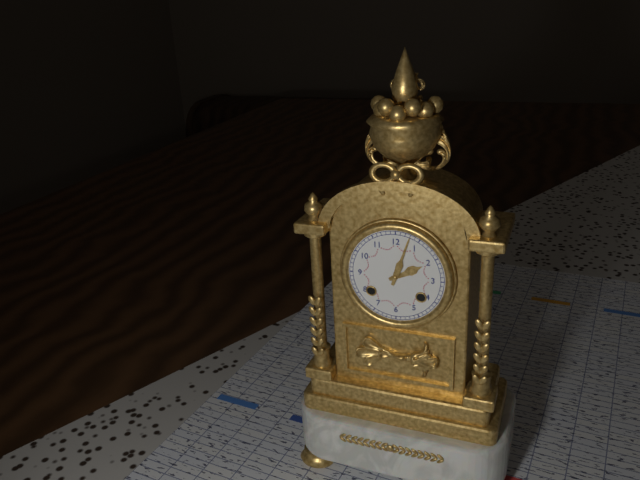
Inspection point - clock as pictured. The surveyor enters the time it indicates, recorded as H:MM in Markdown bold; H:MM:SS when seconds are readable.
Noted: **2:03**
